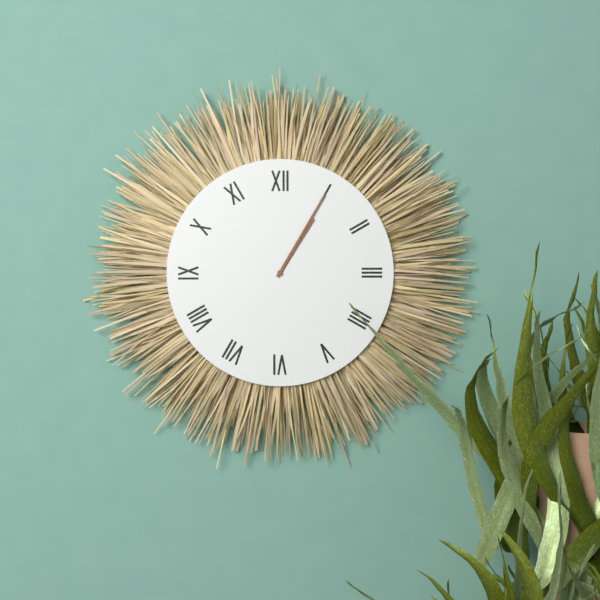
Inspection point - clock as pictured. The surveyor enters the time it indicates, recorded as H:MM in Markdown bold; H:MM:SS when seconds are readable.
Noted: **1:05**
